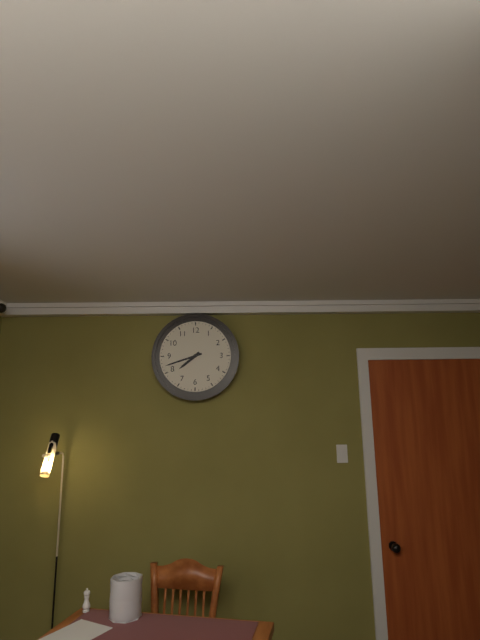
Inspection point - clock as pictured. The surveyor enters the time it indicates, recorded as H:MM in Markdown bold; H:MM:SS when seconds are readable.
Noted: **7:42**
